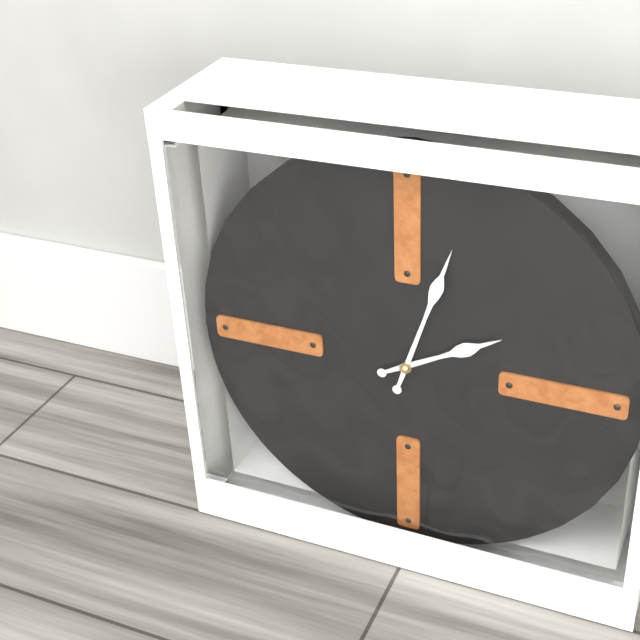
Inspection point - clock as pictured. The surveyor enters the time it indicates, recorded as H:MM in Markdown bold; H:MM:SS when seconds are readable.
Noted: **2:03**
